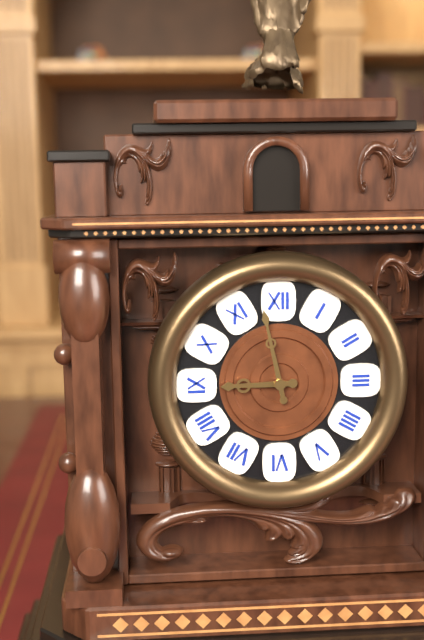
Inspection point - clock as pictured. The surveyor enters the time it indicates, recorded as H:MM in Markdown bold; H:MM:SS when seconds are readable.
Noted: **8:58**
